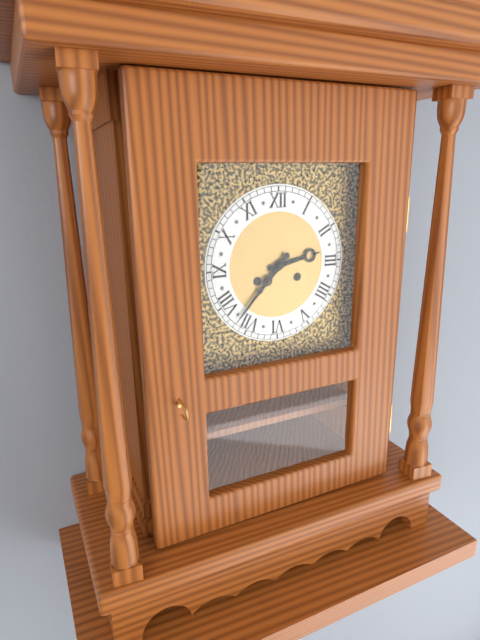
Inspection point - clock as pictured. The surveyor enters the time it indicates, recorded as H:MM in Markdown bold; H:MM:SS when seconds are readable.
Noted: **2:37**
